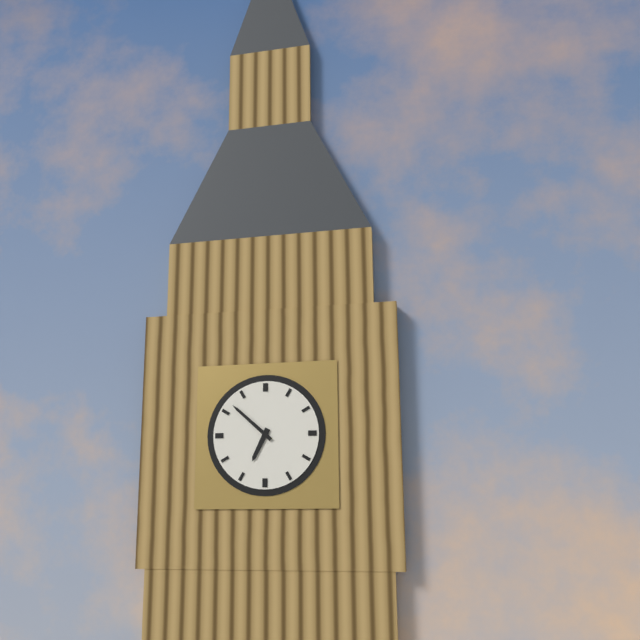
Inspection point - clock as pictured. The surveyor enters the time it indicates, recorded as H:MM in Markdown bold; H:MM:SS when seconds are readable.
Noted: **6:52**
